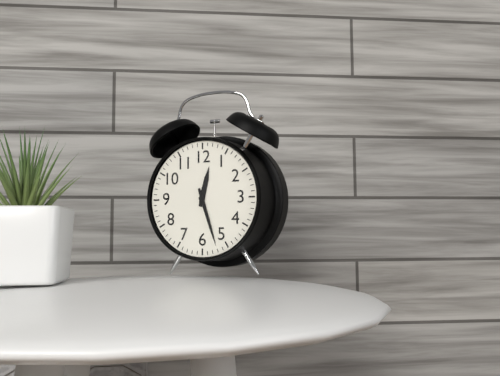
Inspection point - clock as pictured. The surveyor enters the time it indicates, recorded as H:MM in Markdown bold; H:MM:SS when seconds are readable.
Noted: **12:27**
